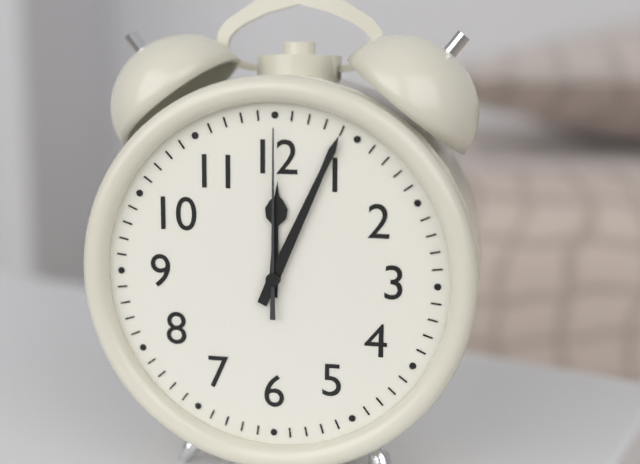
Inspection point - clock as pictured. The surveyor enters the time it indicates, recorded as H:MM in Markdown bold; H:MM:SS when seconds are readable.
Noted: **12:04:00**
